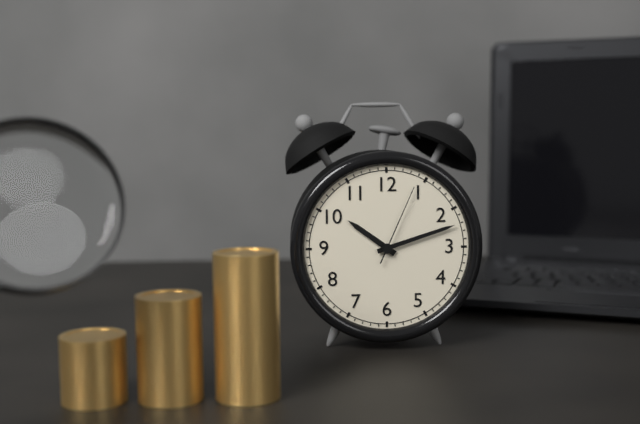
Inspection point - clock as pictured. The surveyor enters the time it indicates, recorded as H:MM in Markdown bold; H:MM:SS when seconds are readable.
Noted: **10:12:04**
